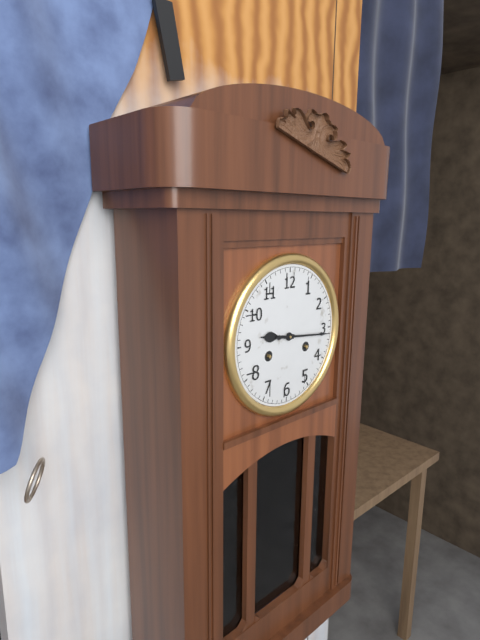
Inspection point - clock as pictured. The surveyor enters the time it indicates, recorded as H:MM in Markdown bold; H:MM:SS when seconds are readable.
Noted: **9:16**
